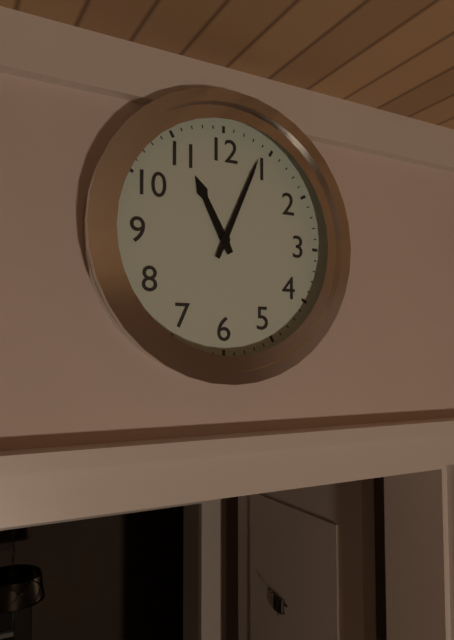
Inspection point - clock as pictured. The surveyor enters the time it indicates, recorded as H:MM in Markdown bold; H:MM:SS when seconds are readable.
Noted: **11:04**
